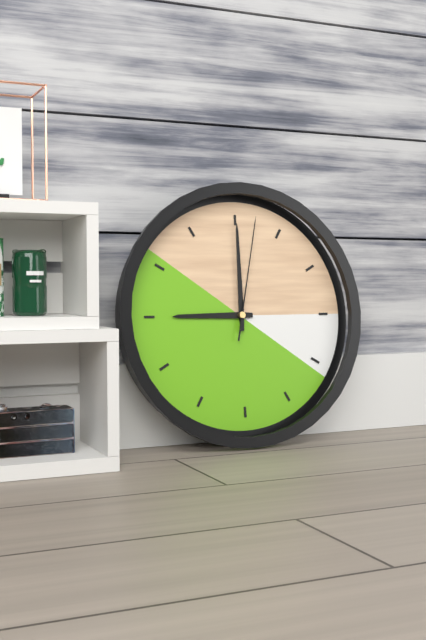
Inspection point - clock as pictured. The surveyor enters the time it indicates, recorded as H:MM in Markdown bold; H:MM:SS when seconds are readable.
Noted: **9:00:02**
